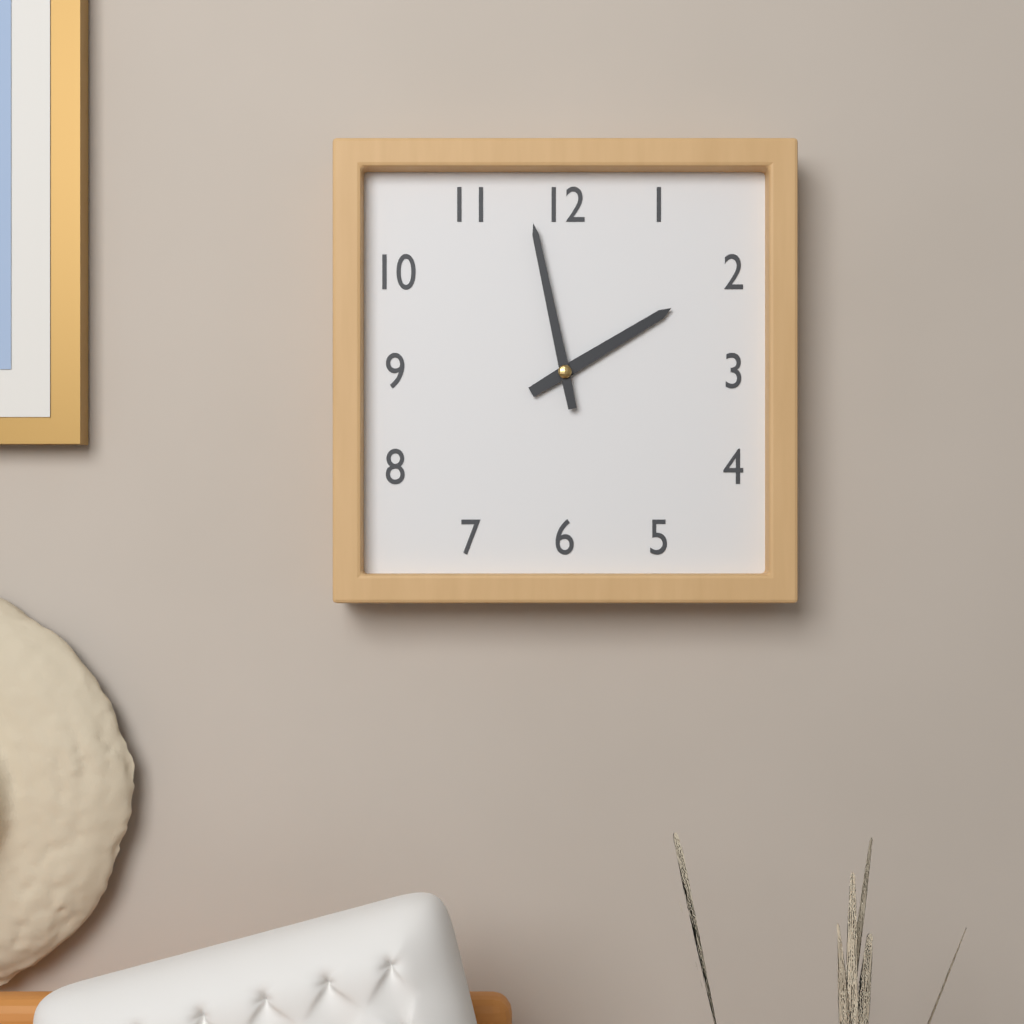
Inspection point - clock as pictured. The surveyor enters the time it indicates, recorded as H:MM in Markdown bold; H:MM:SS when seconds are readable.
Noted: **1:58**
